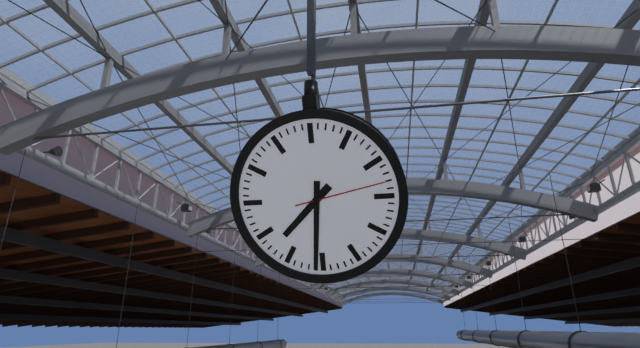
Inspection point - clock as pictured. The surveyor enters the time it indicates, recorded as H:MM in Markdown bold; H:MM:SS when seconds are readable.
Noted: **7:31:13**
